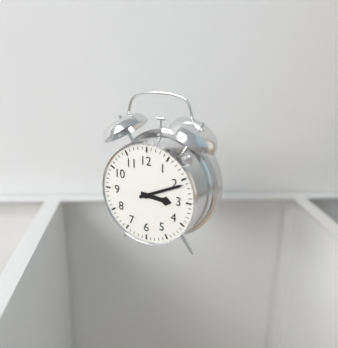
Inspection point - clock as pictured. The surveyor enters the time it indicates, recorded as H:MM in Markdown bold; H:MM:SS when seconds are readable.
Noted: **3:11**
